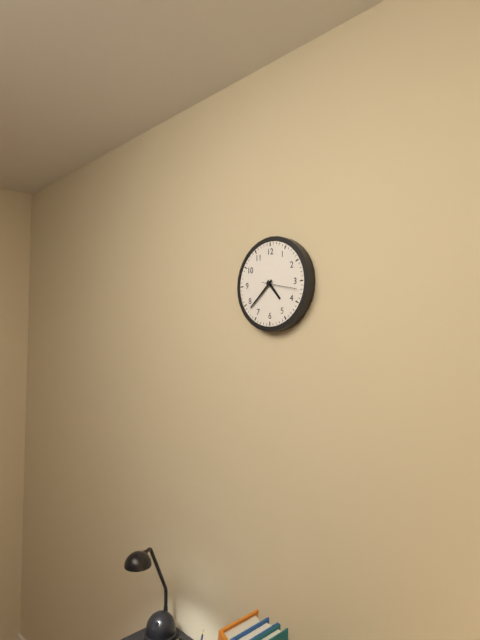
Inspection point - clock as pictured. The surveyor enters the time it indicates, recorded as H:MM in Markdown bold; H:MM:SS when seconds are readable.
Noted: **4:38**
